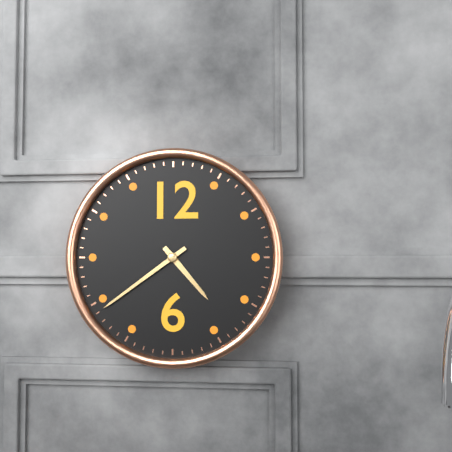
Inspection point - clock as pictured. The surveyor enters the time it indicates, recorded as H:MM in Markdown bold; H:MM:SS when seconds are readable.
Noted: **4:39**
